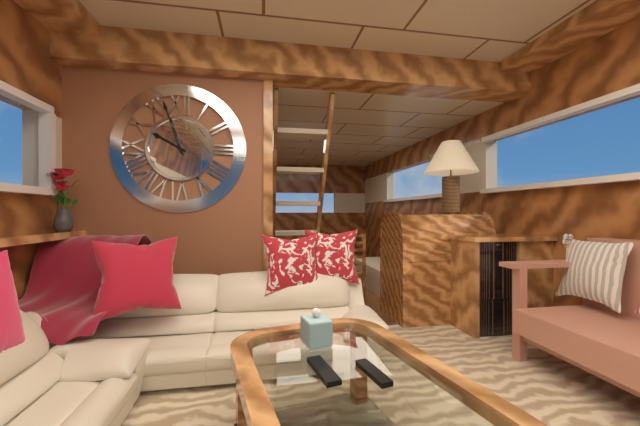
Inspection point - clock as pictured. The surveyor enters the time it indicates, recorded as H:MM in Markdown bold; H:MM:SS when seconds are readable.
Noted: **9:57**
